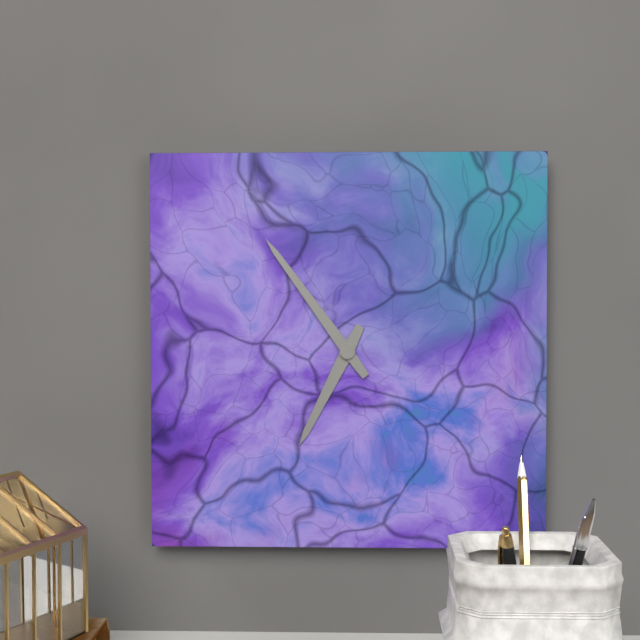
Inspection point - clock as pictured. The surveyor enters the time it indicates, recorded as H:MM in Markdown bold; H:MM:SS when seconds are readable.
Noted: **6:54**
